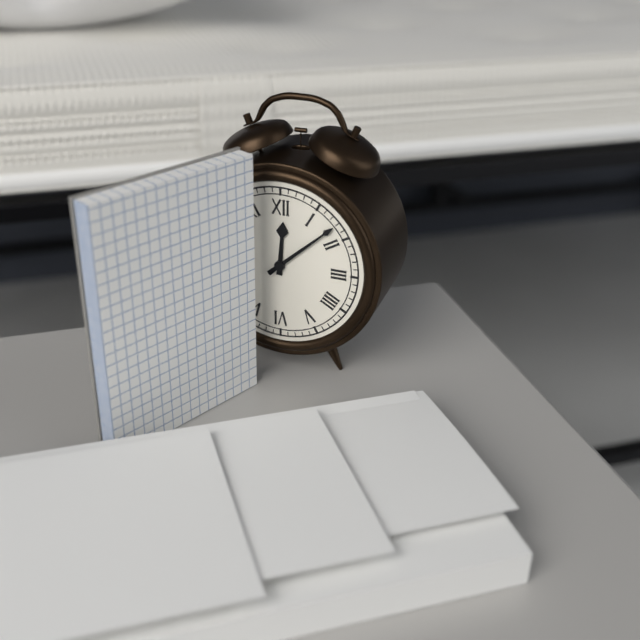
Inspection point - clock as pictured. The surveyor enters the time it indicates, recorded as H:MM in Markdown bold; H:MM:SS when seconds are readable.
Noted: **12:08**
